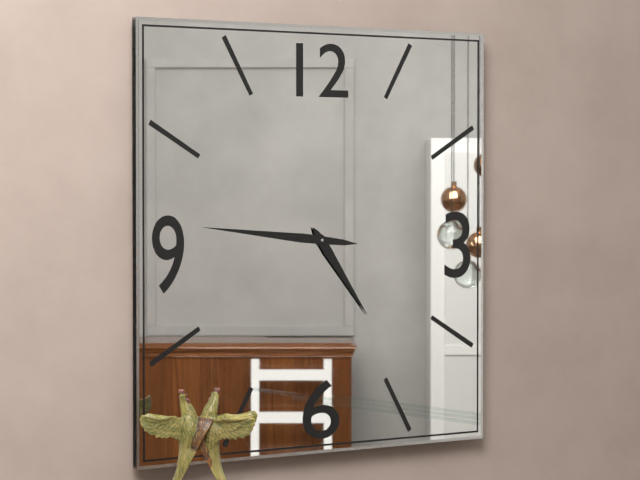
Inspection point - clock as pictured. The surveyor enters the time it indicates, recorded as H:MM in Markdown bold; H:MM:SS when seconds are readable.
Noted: **4:46**
